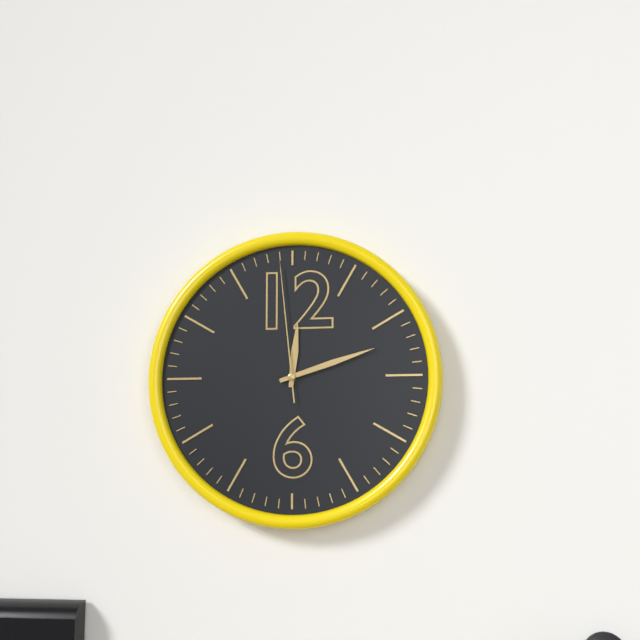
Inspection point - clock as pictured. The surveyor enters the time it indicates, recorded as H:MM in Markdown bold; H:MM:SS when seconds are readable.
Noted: **12:12:59**
